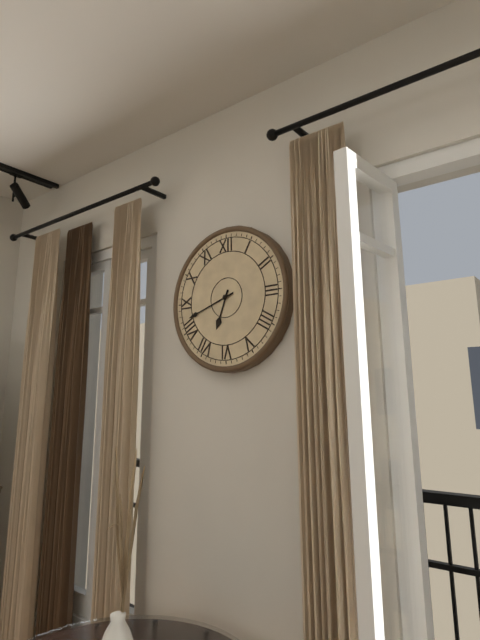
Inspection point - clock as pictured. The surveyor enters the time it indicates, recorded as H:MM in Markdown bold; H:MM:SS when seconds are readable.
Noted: **6:42**
